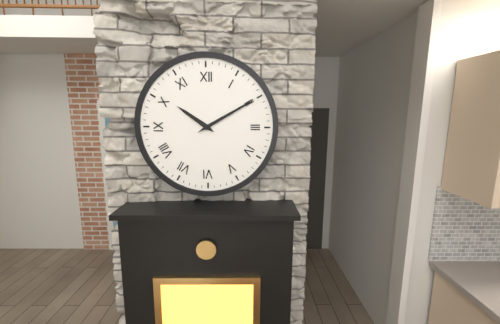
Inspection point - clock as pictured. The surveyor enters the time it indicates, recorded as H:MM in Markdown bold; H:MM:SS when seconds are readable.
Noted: **10:10**
